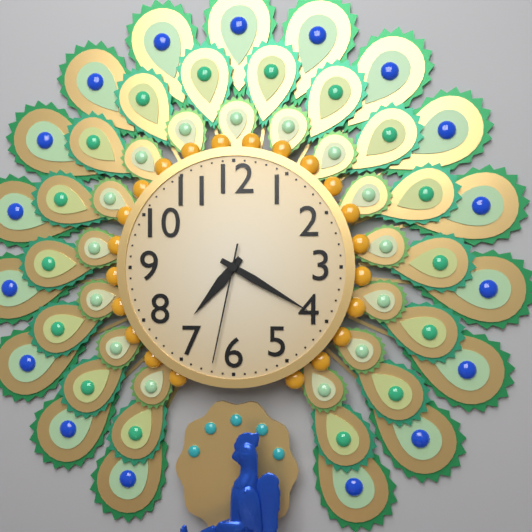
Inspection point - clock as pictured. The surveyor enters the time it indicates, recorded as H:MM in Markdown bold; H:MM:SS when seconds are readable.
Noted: **7:20:32**
